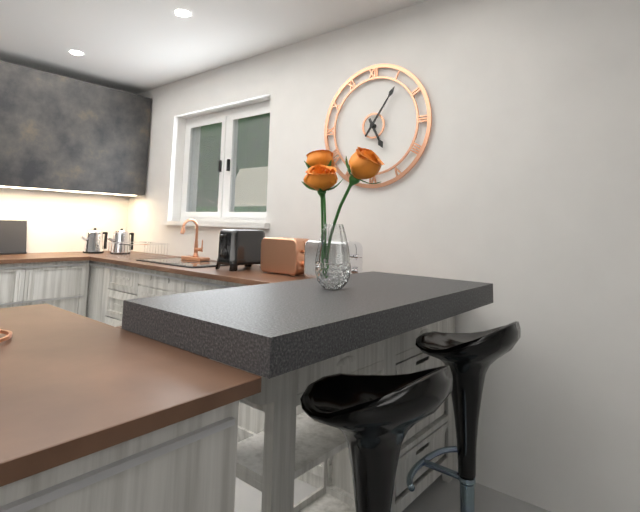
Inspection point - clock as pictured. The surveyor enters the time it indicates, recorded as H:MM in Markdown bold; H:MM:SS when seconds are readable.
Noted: **5:06**
